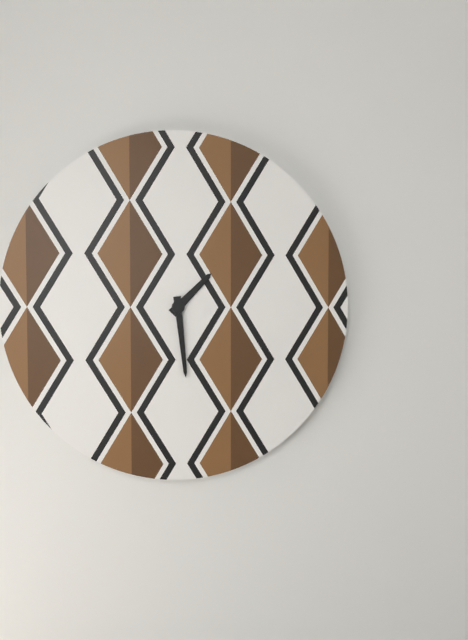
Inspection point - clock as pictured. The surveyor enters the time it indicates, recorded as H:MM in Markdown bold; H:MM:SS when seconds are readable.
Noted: **1:29**
